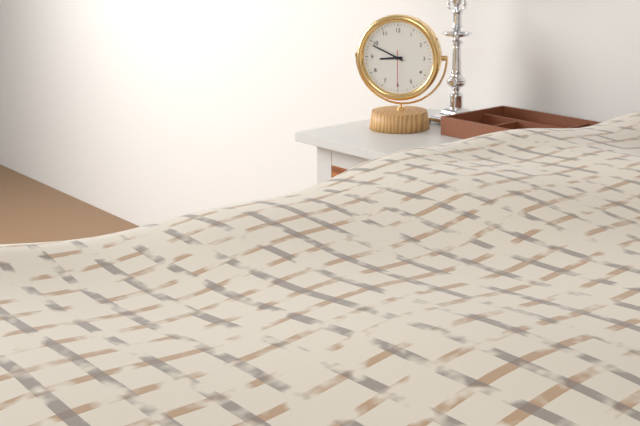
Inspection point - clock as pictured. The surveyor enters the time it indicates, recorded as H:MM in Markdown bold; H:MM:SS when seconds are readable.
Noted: **8:49**
